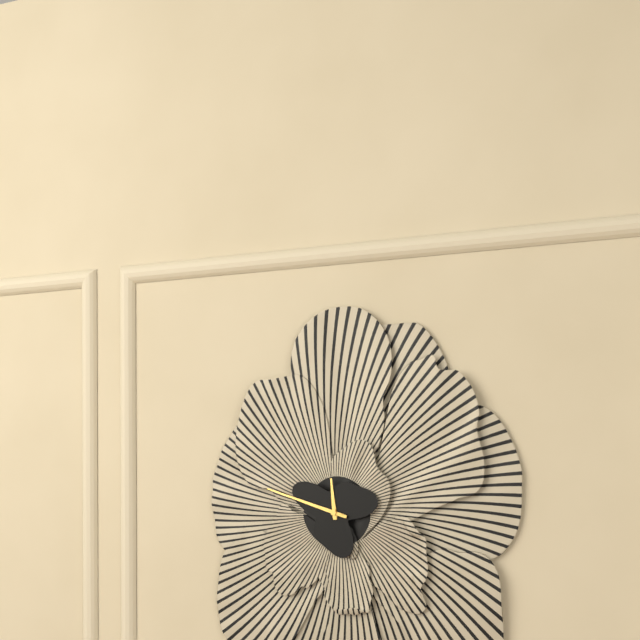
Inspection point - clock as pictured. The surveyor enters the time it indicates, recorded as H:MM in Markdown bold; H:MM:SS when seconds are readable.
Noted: **11:48**
